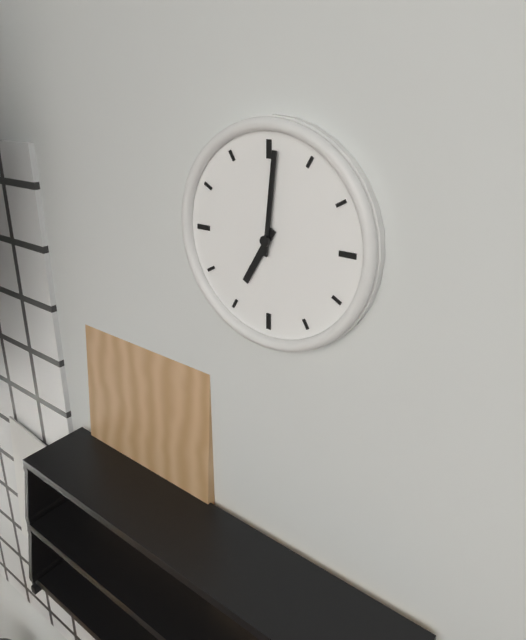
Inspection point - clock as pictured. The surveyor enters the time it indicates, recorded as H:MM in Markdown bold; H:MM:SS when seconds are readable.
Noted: **7:01**
